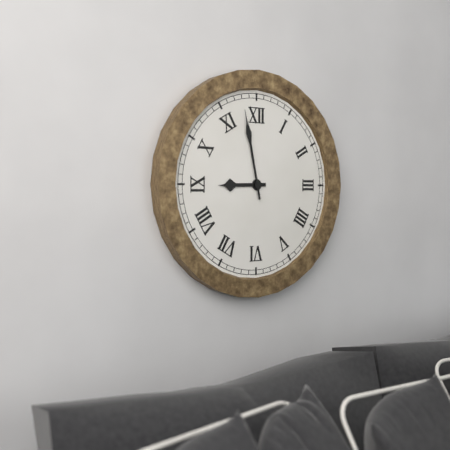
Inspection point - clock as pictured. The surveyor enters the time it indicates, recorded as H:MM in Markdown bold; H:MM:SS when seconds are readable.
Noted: **8:58**
